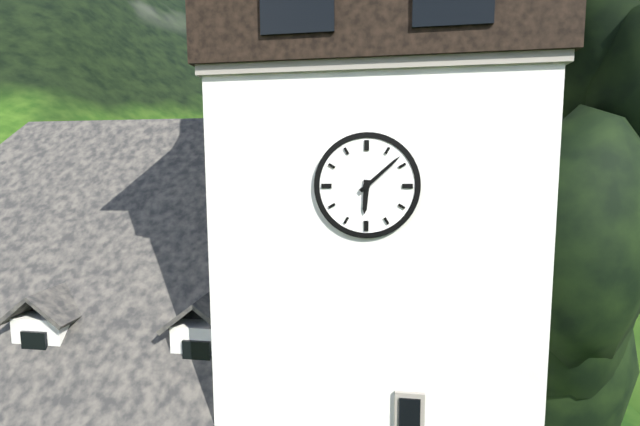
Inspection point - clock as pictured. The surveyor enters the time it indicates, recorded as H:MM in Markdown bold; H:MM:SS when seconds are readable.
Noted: **6:08**
